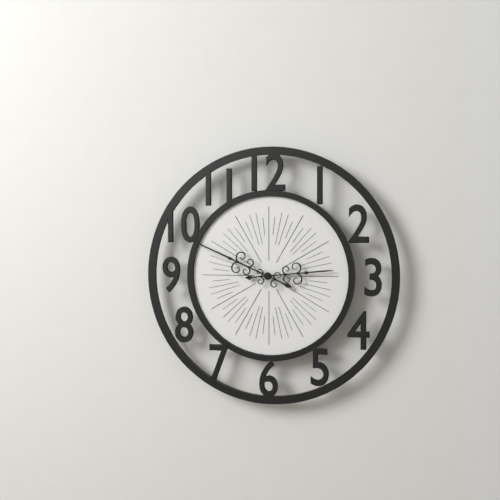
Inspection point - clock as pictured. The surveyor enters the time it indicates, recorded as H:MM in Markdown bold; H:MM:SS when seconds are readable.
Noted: **2:49**
